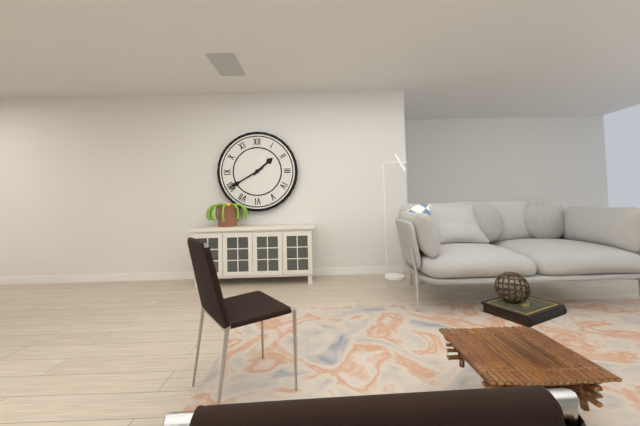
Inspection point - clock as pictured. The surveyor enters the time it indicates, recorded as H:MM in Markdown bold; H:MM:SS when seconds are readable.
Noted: **1:40**
